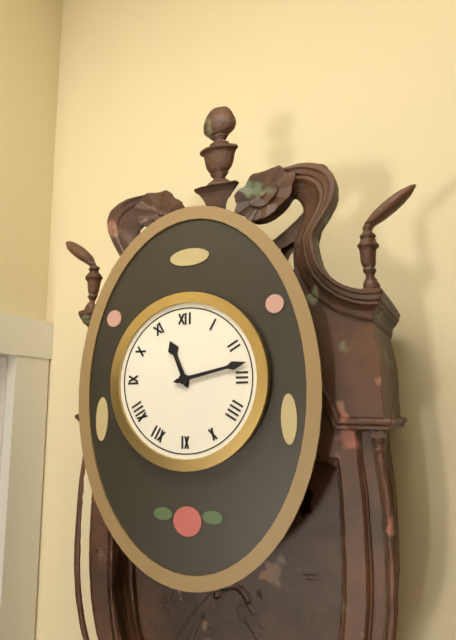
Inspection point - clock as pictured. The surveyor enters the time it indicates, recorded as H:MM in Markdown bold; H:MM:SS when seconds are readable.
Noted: **11:13**
